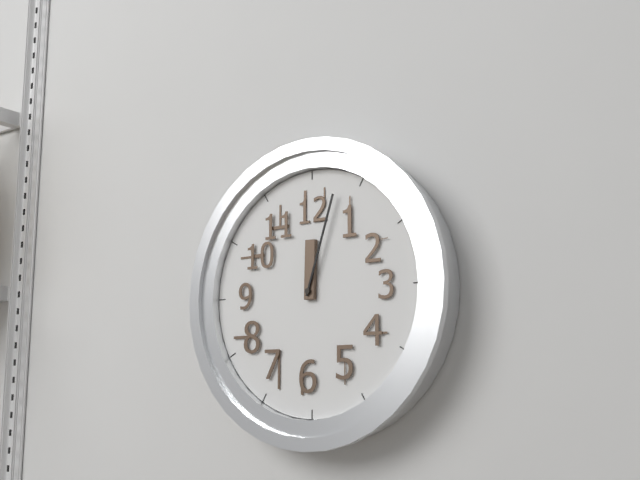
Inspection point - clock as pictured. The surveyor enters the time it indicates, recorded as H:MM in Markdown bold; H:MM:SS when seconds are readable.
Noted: **12:03**
